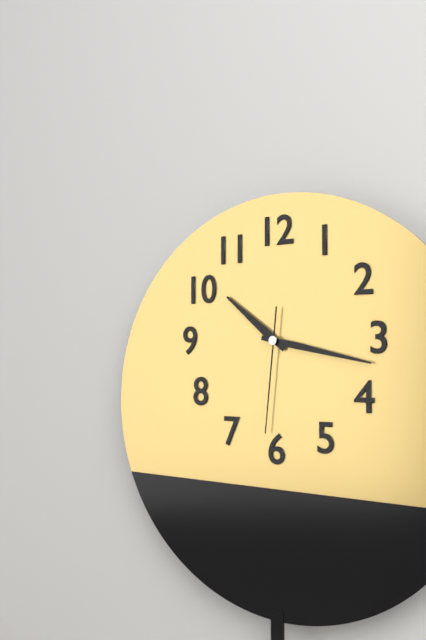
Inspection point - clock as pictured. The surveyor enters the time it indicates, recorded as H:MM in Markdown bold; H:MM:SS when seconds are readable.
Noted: **10:17:31**
